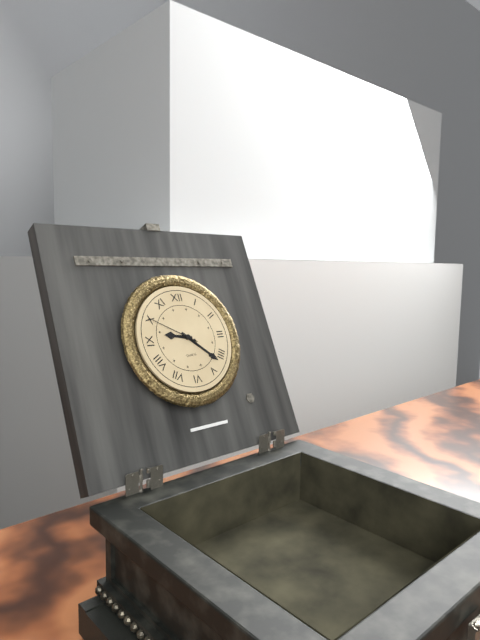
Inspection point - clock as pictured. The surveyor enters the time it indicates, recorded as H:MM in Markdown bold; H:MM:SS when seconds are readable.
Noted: **9:22:50**
